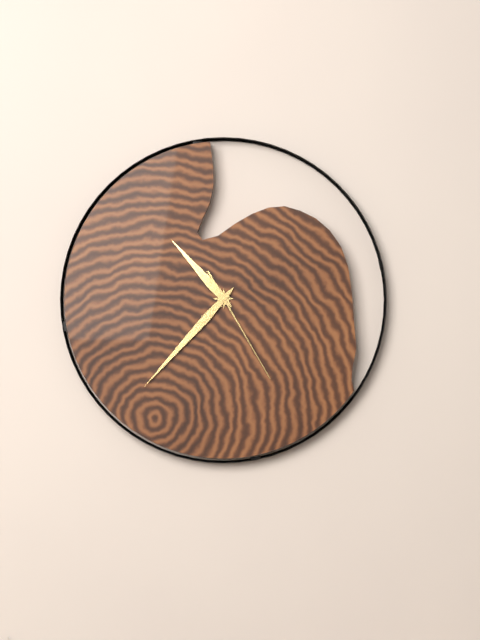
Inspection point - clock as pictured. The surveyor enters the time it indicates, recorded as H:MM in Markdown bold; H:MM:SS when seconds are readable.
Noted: **10:37:25**
